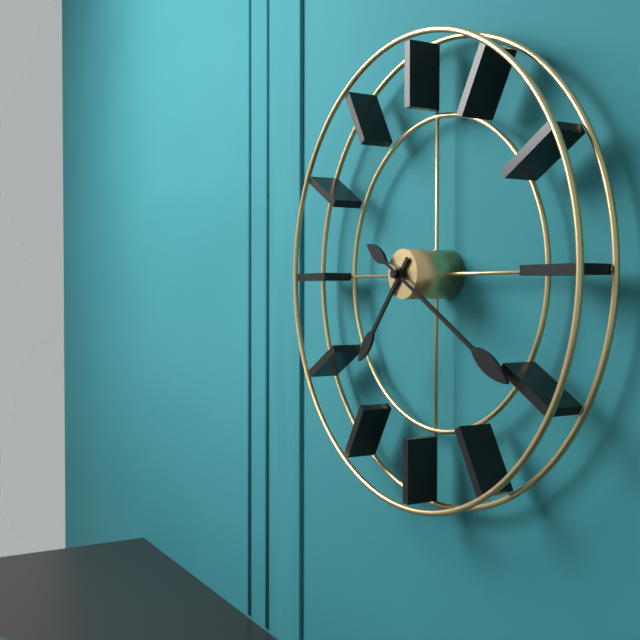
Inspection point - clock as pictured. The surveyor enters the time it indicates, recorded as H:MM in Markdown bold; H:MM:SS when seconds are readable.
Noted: **7:20**
